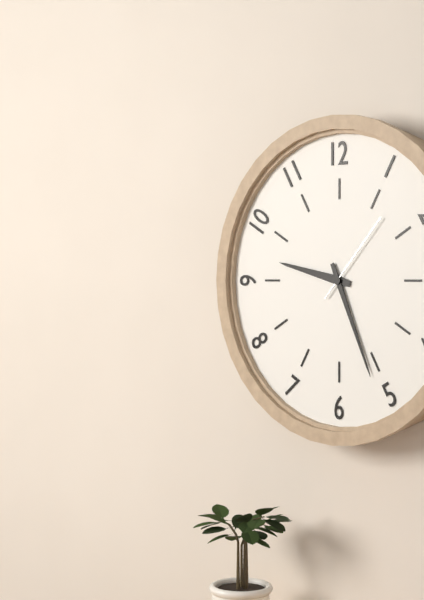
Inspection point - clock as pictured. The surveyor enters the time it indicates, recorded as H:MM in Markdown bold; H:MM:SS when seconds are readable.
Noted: **9:26:07**
